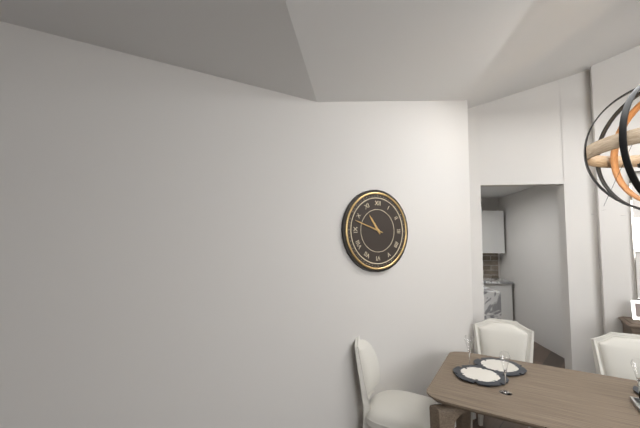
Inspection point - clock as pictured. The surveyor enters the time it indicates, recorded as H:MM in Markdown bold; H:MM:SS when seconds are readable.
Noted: **10:48**
